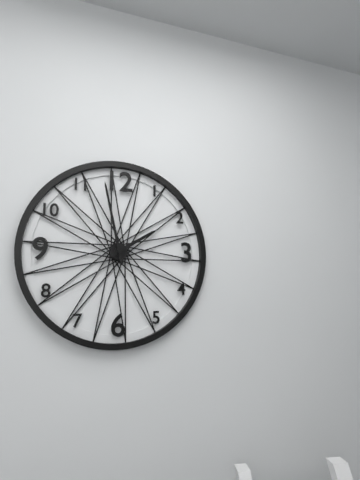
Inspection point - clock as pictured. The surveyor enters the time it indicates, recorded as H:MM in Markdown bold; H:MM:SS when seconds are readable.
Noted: **1:58**
